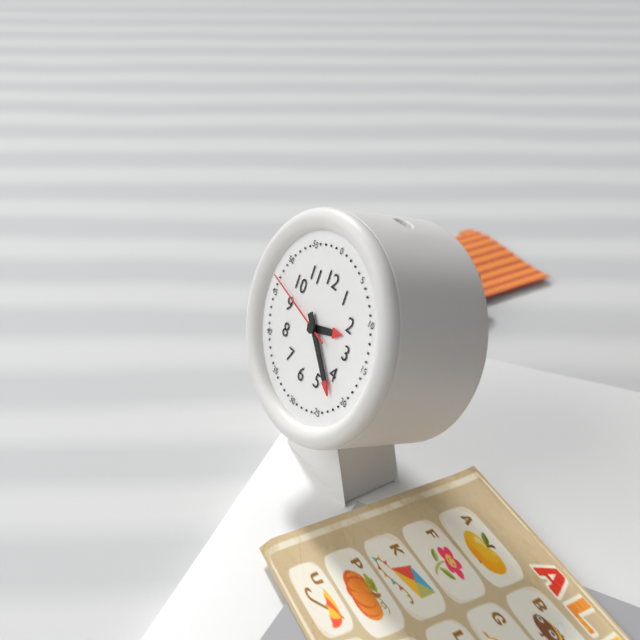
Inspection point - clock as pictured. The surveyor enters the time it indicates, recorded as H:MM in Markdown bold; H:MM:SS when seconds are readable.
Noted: **2:22:47**
